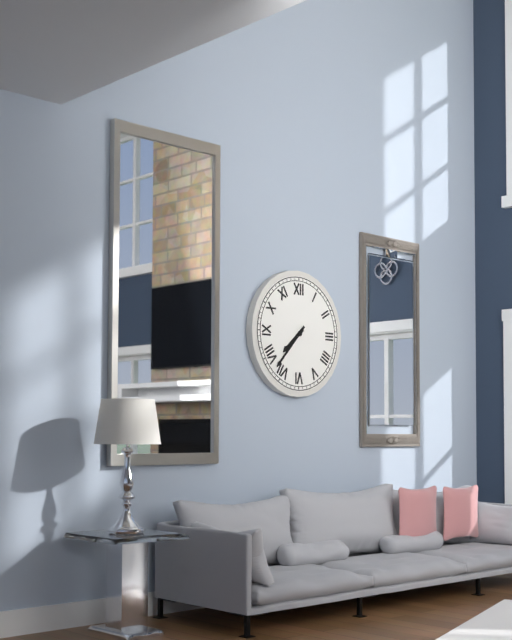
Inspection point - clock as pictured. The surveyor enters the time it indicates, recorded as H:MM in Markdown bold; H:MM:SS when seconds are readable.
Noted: **7:37**
